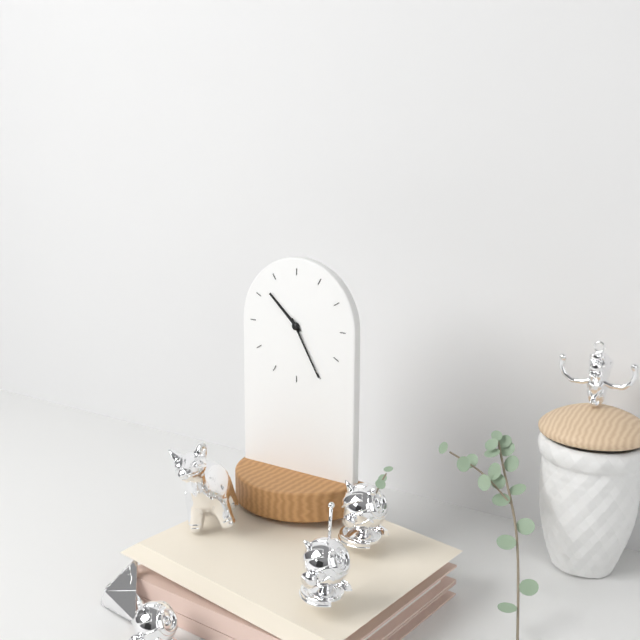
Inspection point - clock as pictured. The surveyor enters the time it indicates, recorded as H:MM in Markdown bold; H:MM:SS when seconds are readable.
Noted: **10:25**
